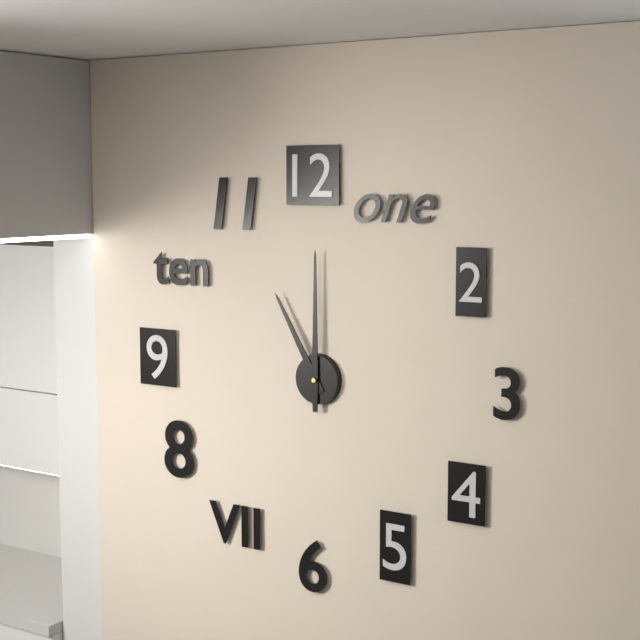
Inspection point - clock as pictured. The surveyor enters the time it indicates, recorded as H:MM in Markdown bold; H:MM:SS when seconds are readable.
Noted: **11:00**
